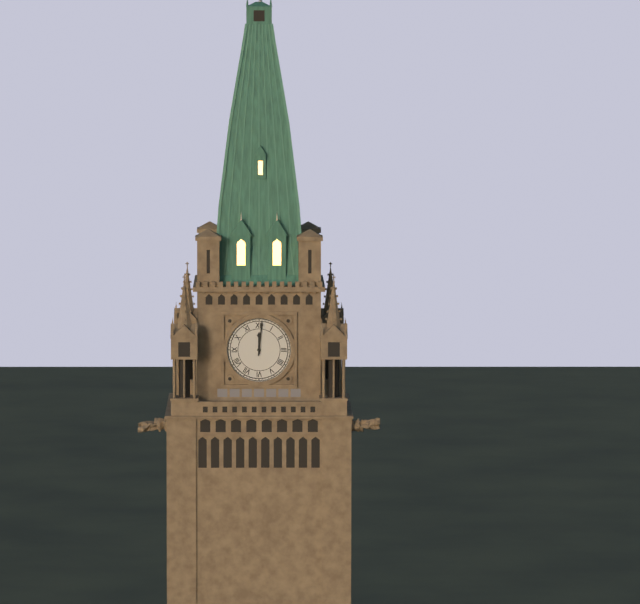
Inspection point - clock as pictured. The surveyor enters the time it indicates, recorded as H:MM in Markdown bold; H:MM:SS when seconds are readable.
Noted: **12:01**
